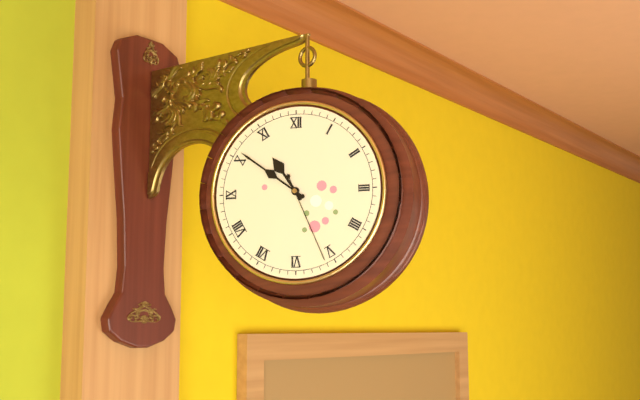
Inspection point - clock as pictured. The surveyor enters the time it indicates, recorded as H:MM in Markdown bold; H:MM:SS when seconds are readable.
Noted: **10:51:26**
